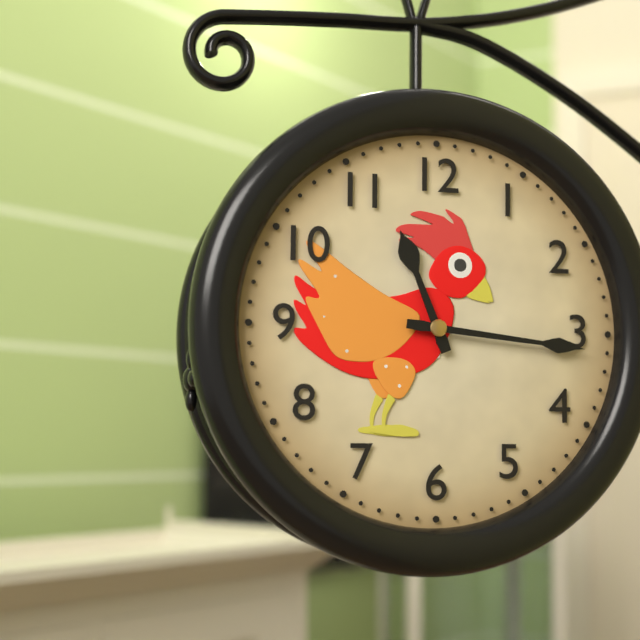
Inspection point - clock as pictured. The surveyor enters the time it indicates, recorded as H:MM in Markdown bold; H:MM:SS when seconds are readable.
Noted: **11:16**
